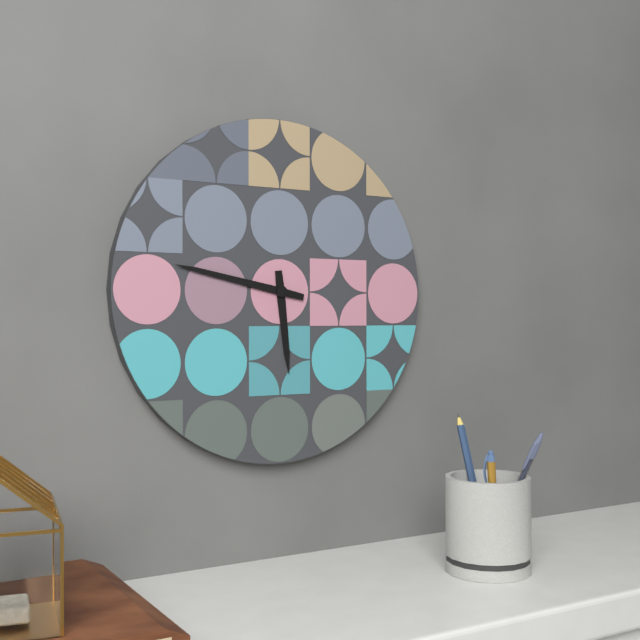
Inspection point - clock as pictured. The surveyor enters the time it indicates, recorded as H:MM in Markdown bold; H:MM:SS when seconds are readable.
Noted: **5:47**
